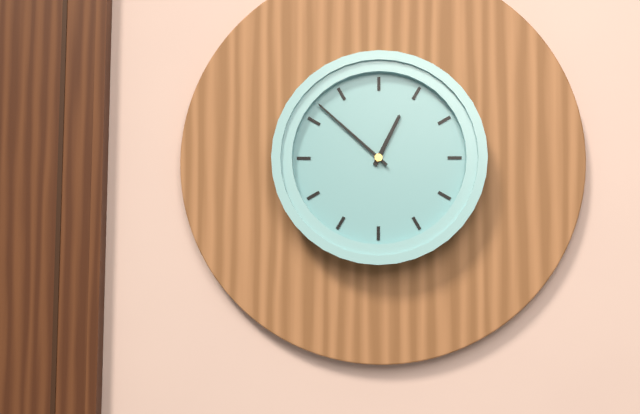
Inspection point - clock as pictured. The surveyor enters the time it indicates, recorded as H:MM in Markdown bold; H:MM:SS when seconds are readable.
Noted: **12:52**
